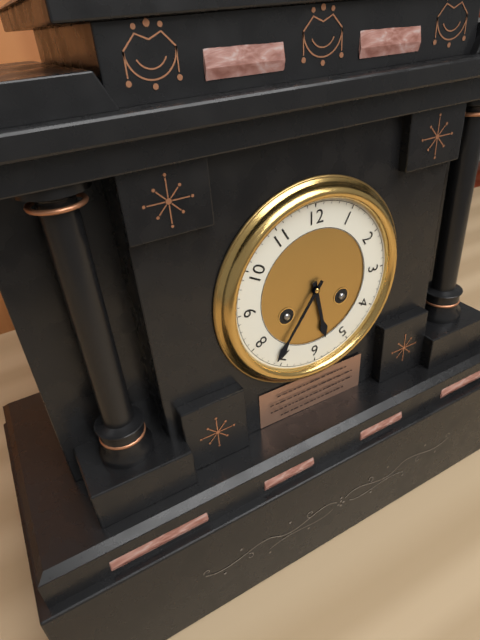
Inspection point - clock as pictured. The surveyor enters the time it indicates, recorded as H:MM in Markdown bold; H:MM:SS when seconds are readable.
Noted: **5:36**
